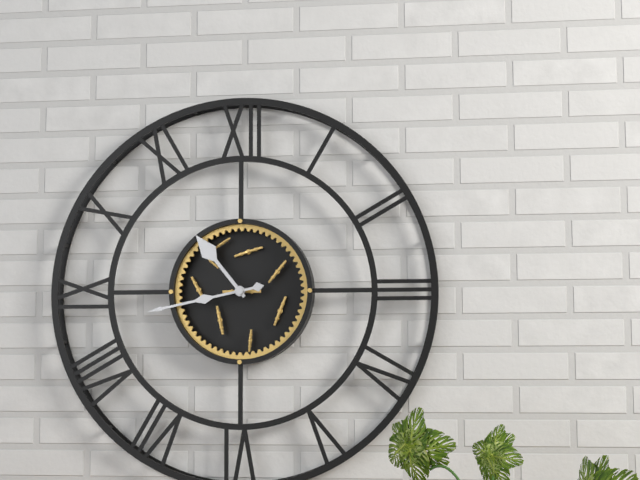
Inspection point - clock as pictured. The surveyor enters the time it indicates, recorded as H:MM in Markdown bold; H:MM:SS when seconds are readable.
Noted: **10:43**
